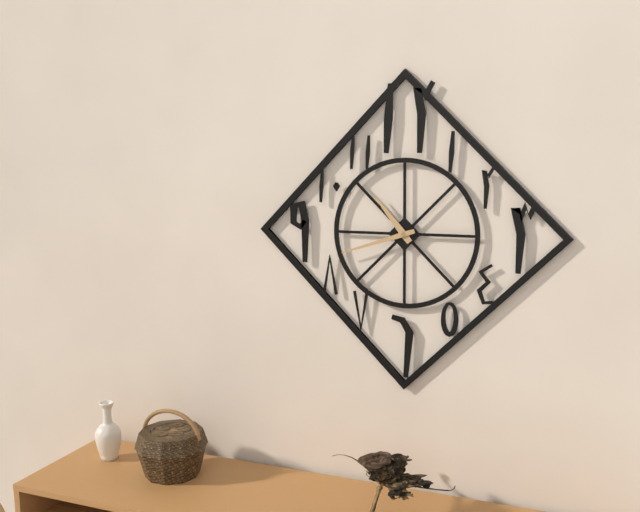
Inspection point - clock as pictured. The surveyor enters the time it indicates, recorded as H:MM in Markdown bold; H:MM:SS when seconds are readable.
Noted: **10:42**
